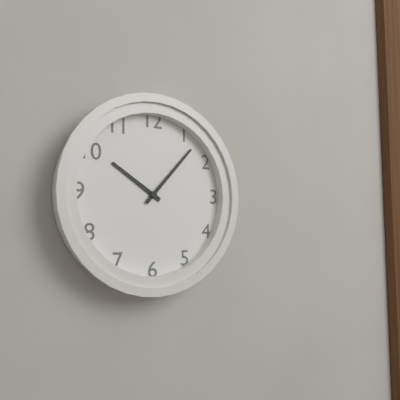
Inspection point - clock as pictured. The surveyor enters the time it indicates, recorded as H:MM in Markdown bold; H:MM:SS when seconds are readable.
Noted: **10:07**
